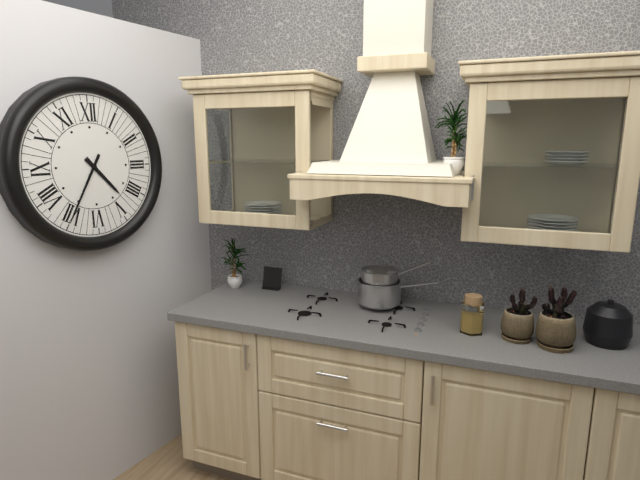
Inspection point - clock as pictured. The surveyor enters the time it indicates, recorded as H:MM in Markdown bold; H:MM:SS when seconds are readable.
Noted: **4:35**
